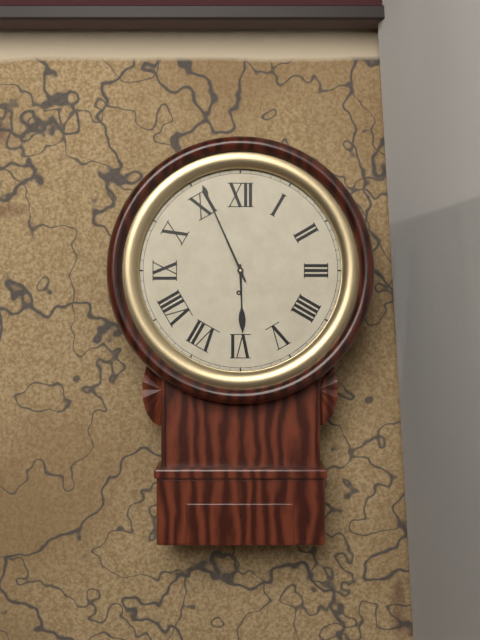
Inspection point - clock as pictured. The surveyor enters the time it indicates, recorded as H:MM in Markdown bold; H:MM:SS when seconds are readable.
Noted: **5:56**
